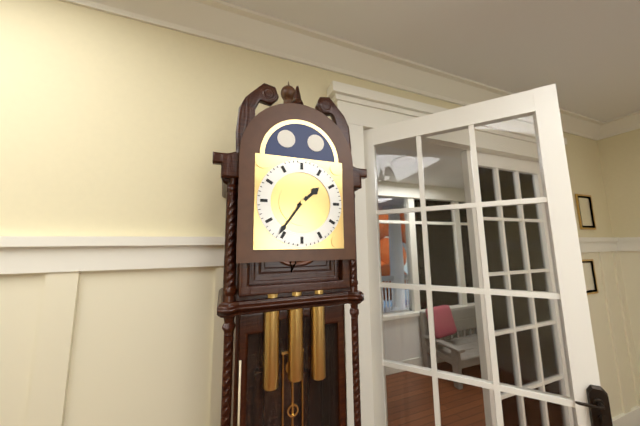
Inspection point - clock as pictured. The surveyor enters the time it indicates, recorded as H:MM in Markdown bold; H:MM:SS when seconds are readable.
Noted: **1:36**
